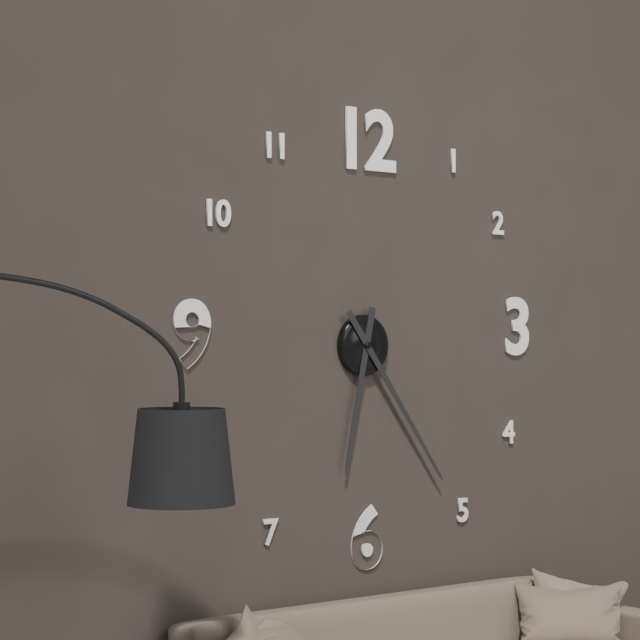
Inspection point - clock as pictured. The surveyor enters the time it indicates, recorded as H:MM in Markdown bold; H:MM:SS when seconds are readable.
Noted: **6:24**
